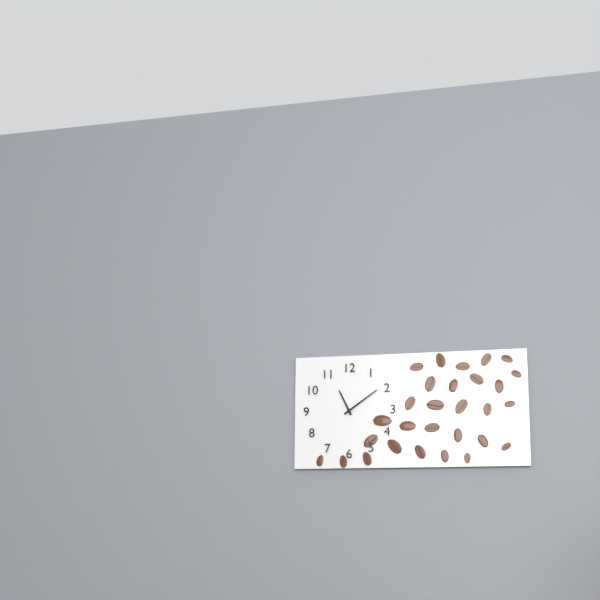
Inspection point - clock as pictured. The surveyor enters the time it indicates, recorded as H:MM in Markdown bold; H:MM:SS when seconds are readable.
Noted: **11:09**
